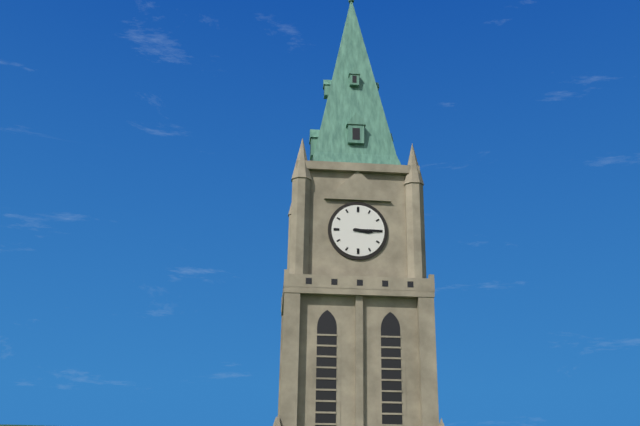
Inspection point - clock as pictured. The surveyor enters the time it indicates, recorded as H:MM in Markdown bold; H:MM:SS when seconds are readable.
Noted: **3:15**
